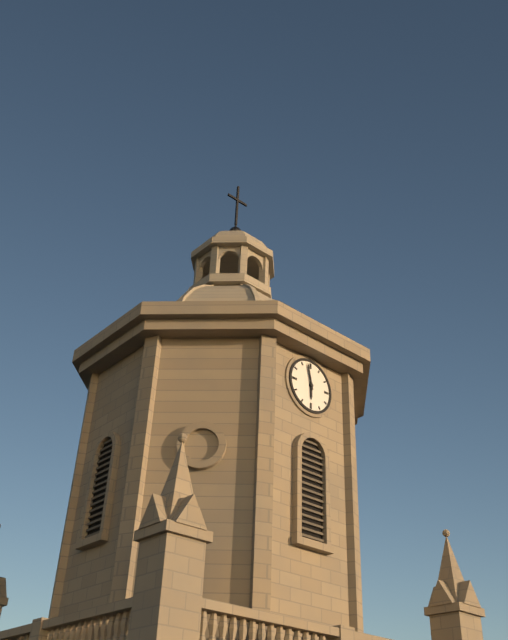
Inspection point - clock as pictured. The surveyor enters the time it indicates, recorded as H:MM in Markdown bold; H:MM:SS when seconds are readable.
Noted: **5:58**
